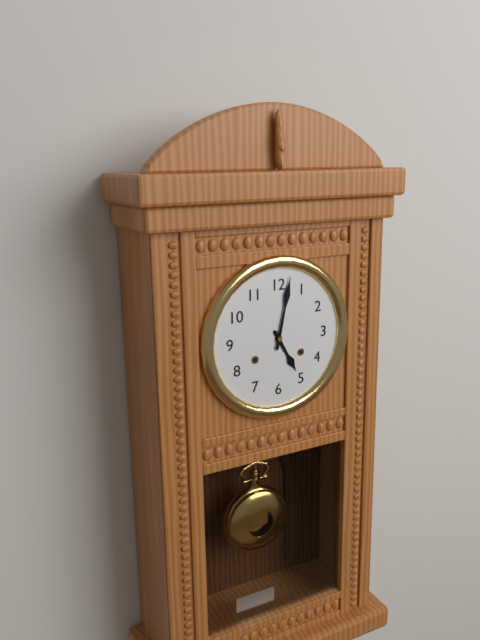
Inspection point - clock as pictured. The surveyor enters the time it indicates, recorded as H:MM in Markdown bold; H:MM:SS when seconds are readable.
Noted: **5:02**
